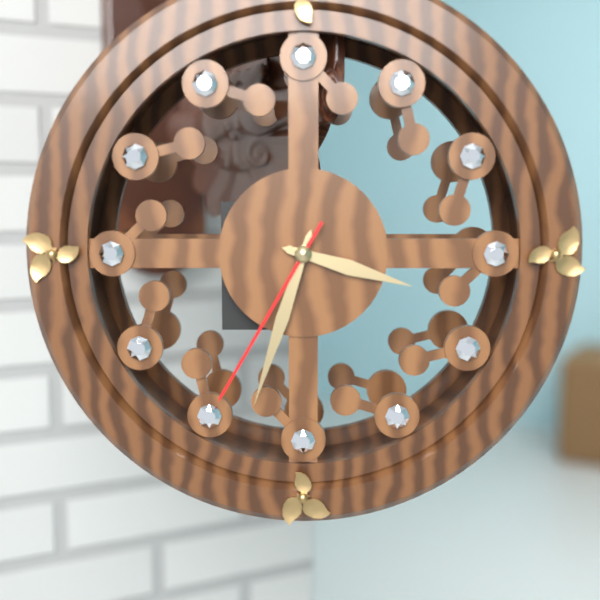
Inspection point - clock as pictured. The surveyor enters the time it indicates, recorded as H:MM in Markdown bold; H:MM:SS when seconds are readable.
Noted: **3:33:35**
